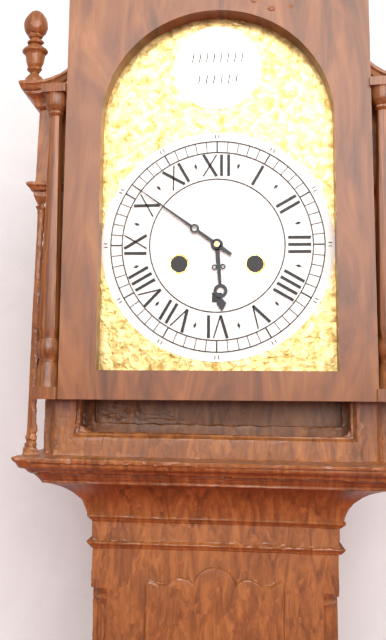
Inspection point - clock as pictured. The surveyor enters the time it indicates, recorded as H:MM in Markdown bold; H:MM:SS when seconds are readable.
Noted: **5:51**
